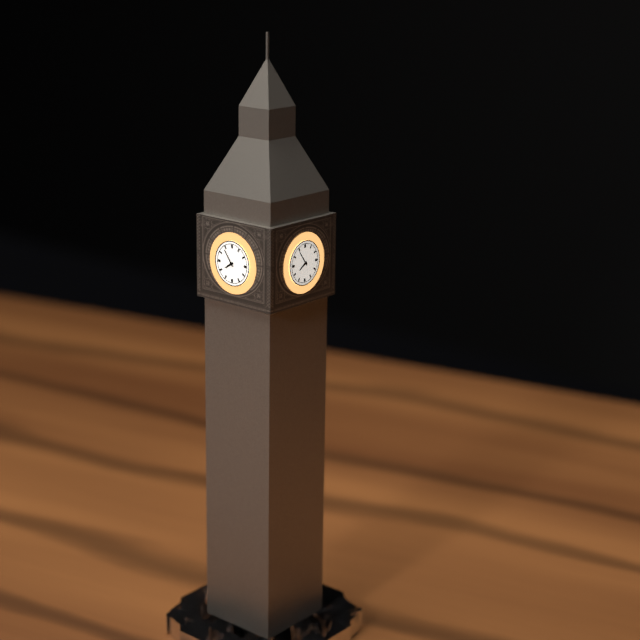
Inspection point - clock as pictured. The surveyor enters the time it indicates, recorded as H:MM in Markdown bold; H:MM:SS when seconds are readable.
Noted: **7:54**
